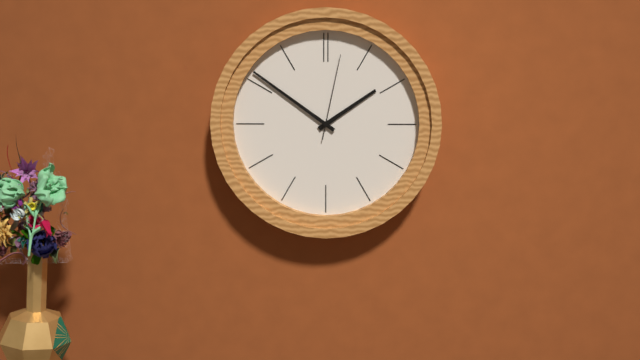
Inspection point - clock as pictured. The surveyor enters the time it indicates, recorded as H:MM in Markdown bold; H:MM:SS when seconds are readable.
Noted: **1:51:02**
